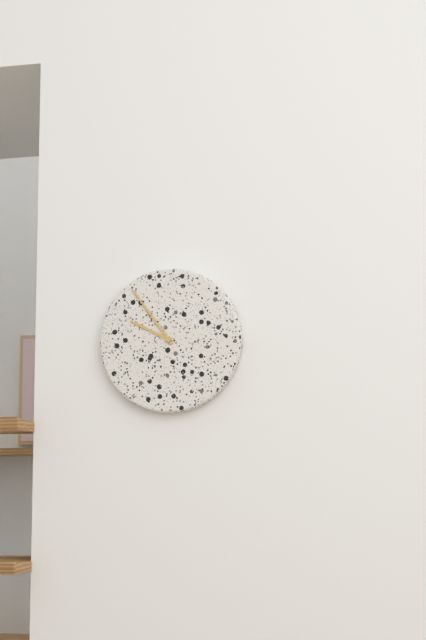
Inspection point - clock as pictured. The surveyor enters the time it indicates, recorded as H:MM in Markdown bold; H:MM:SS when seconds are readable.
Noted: **9:54**
